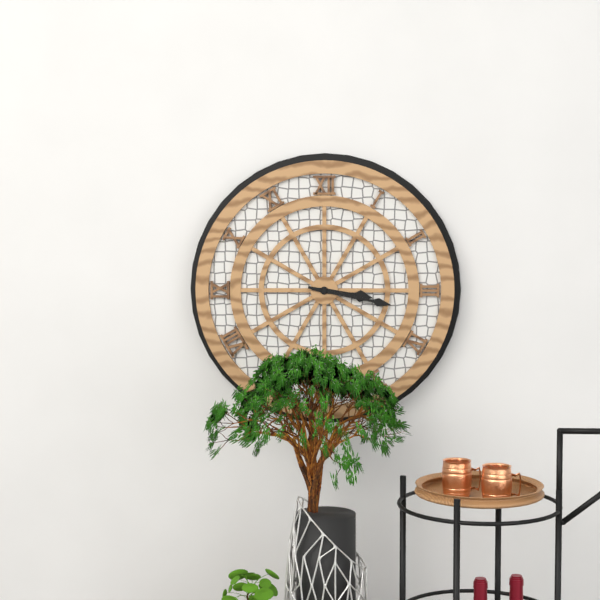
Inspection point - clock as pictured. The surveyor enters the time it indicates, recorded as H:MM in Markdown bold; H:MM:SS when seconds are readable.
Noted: **3:17**
